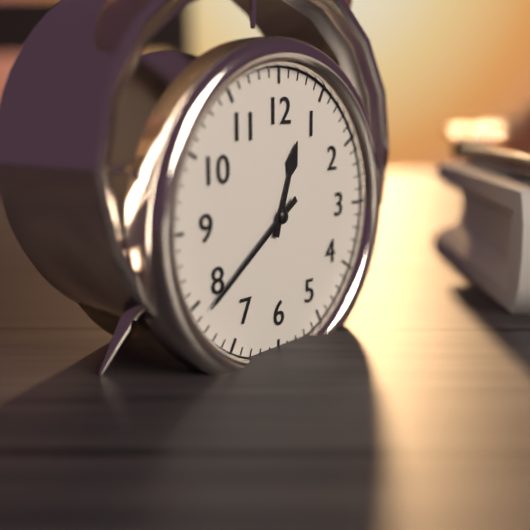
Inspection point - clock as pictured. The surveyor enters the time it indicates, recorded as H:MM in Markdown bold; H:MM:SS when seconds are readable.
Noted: **12:39**
